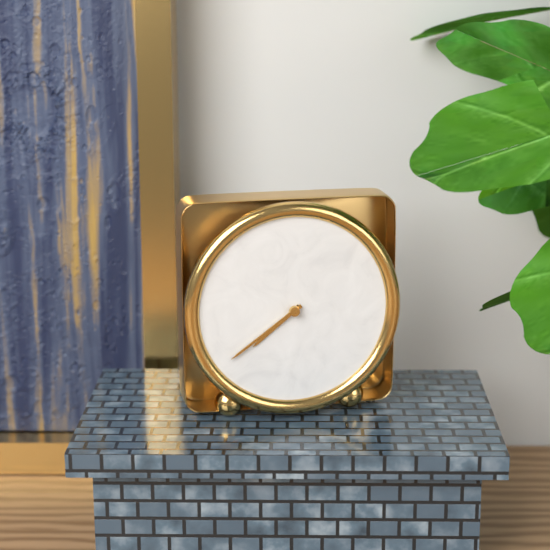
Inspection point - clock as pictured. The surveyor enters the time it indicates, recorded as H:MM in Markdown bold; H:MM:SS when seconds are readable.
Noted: **7:39**
